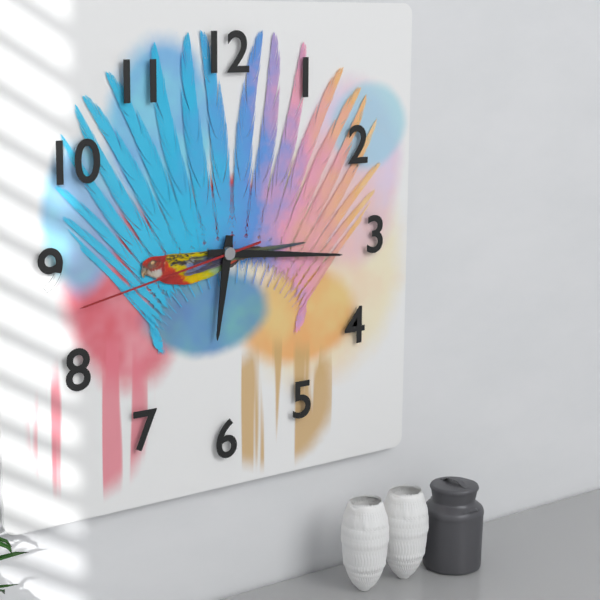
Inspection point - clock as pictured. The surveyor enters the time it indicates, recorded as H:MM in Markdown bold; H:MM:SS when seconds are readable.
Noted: **6:16:43**
